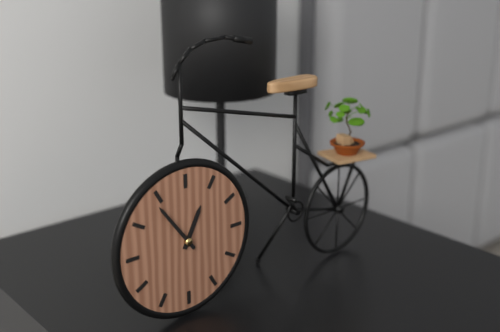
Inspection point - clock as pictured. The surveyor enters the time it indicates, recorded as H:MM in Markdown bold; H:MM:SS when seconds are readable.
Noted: **12:54**
